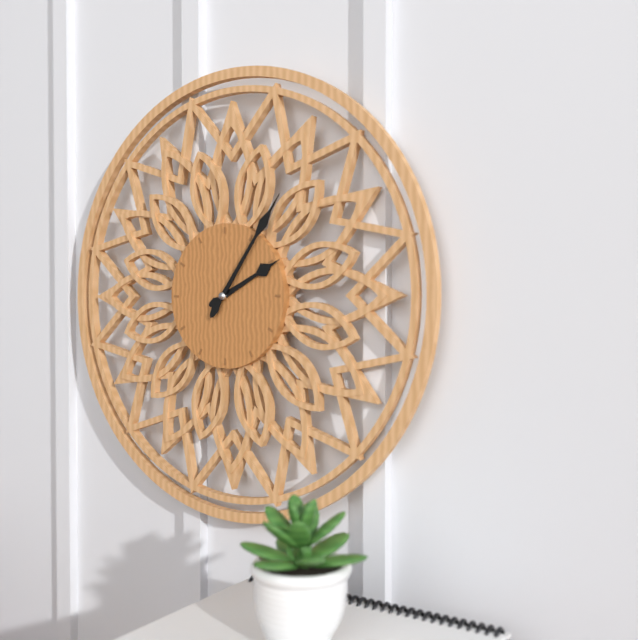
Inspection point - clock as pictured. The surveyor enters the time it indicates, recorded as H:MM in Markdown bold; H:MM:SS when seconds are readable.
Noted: **2:06**
